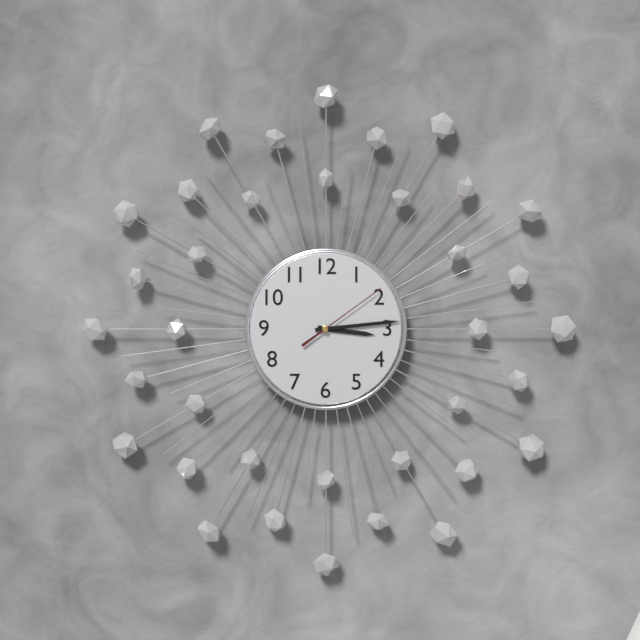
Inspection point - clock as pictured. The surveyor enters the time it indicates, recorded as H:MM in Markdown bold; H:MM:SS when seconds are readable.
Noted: **3:14:09**
